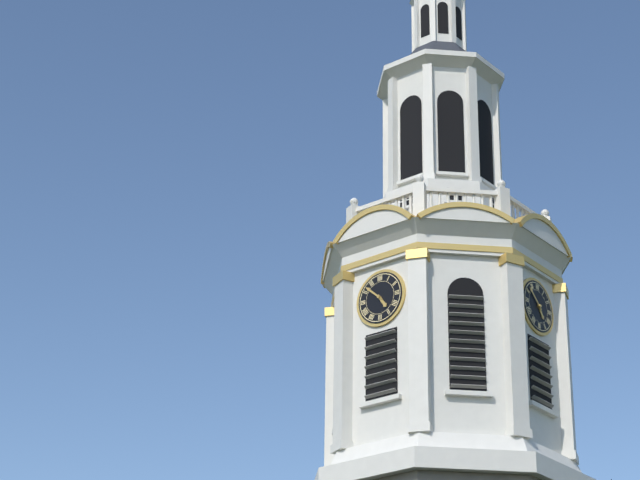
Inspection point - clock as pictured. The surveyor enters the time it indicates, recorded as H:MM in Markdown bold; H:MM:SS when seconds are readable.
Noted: **4:52**
